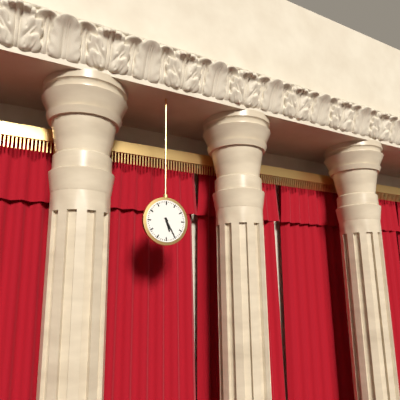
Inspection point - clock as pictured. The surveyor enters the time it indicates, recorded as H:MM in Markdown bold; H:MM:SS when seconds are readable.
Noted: **5:25**
